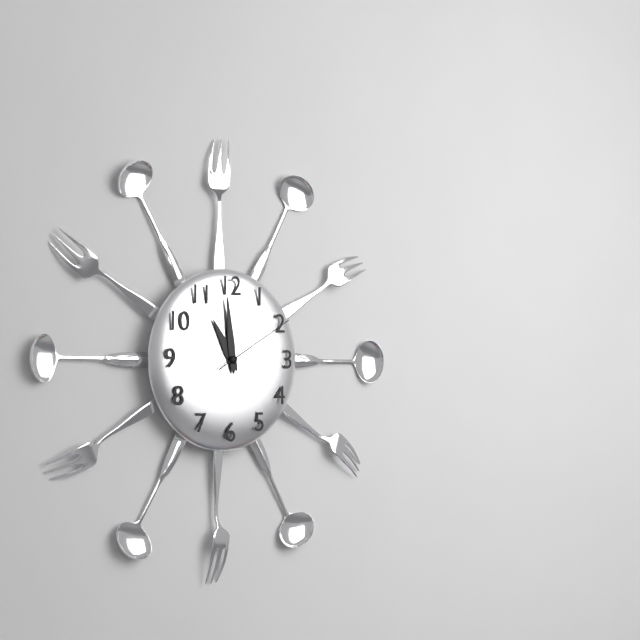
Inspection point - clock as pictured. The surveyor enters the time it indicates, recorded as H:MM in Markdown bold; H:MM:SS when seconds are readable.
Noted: **10:59:10**
